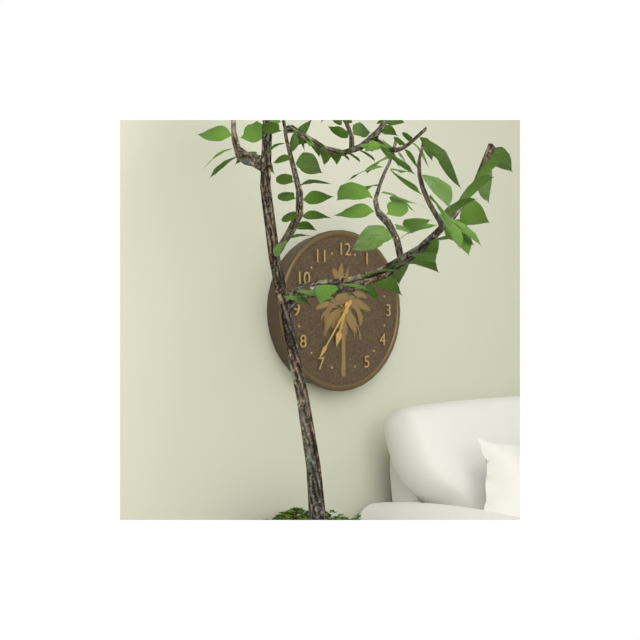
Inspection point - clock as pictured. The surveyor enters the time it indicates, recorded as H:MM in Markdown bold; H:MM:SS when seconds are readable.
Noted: **6:36**
